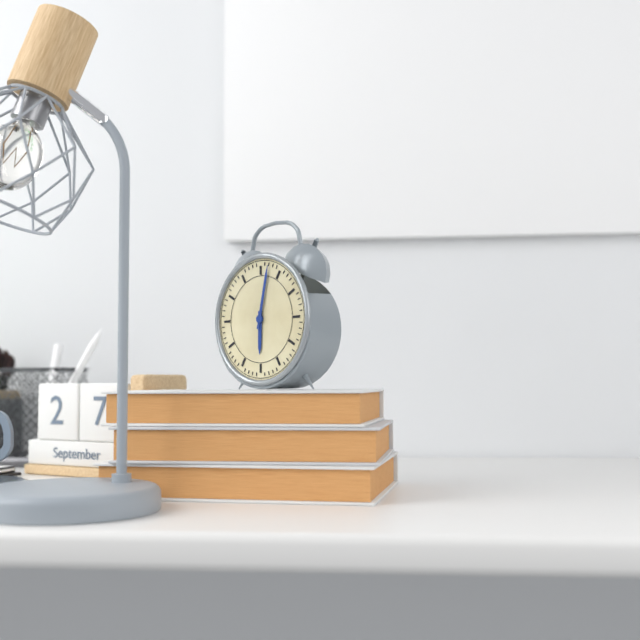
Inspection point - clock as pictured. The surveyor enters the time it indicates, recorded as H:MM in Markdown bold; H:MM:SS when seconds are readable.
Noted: **6:02**
